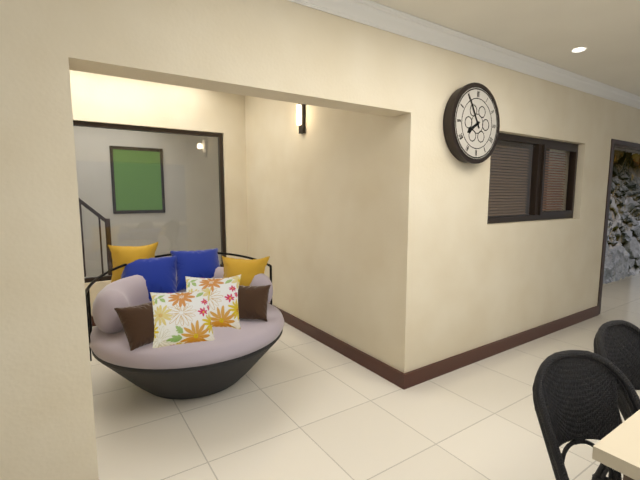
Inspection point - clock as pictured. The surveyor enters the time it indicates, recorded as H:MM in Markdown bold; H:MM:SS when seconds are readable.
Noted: **7:55**
